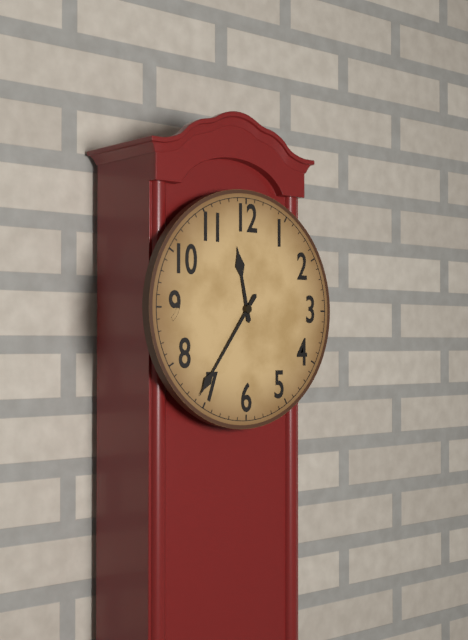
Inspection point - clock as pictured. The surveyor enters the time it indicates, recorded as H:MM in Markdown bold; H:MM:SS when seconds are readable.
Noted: **11:36**
